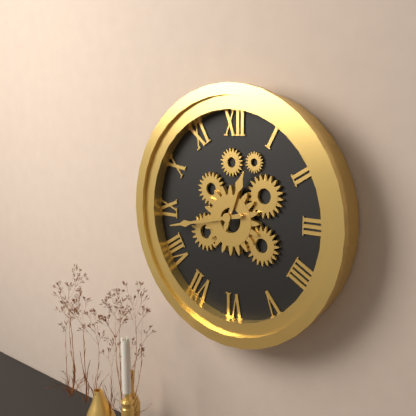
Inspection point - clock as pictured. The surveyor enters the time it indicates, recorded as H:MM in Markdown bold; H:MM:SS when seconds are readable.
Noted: **12:43**
